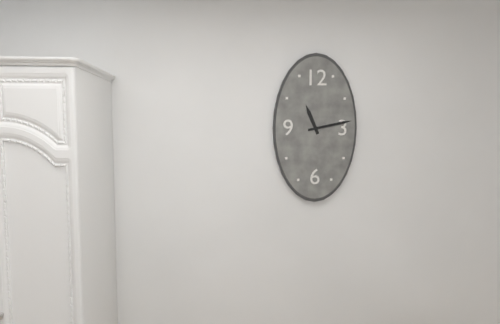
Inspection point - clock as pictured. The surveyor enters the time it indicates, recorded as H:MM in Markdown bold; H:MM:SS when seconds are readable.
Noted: **11:13**
